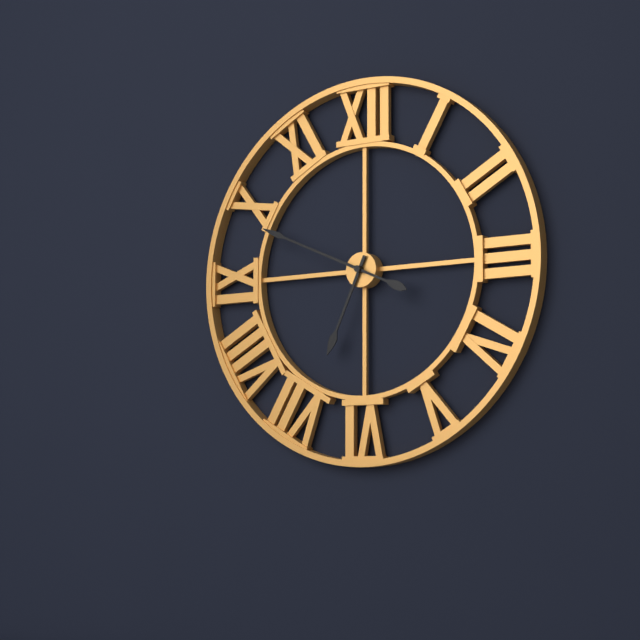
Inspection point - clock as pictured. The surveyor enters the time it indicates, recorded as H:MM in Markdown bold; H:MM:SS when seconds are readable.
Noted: **6:49**
